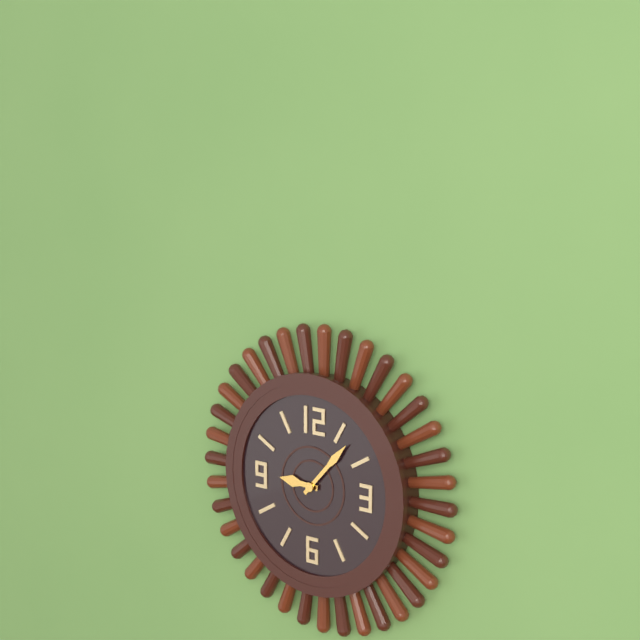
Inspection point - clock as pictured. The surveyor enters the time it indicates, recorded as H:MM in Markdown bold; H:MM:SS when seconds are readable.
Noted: **9:07**
